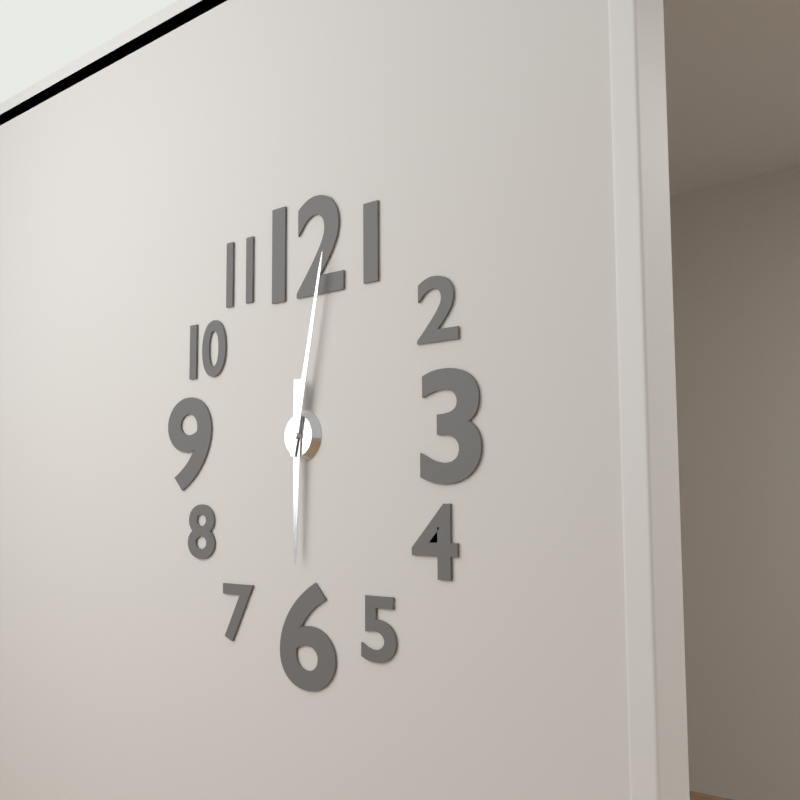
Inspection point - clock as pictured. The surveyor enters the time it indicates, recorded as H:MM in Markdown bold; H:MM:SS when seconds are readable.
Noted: **6:02**
